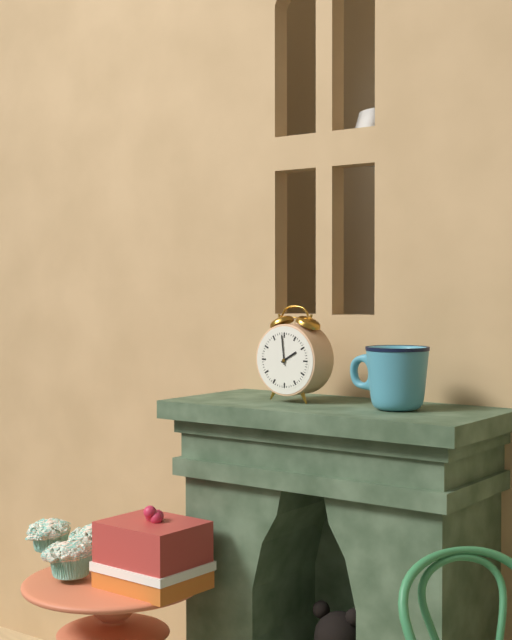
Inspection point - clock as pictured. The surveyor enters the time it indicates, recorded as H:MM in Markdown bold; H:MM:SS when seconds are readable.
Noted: **1:59**
